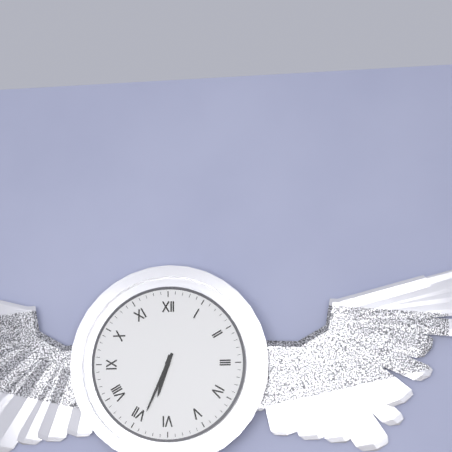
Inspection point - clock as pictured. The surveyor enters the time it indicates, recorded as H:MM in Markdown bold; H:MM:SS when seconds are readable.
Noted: **6:34**
